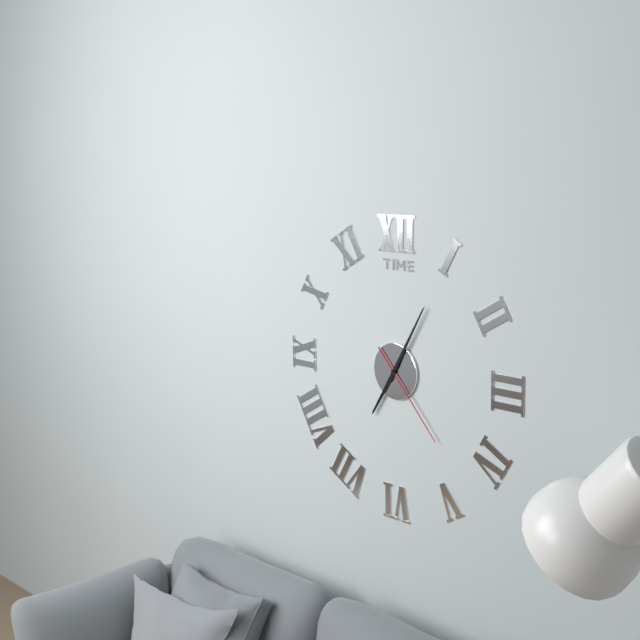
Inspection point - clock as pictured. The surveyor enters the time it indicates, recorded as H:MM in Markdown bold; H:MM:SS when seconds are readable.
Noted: **7:05:23**
